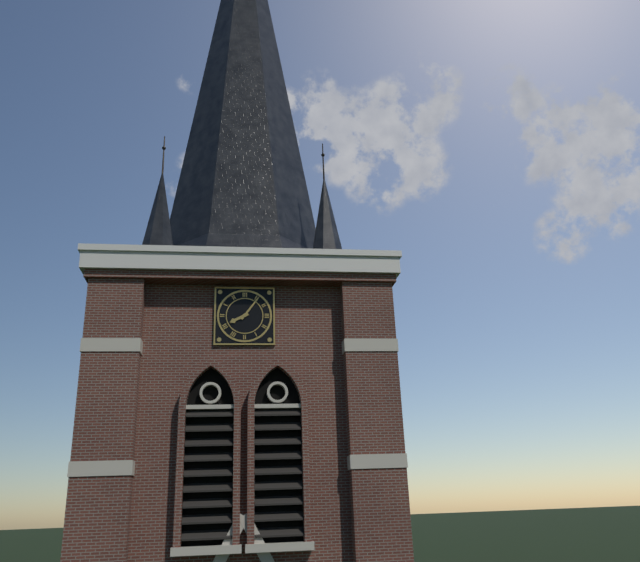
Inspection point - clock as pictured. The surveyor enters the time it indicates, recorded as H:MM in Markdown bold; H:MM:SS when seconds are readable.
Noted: **8:06**
